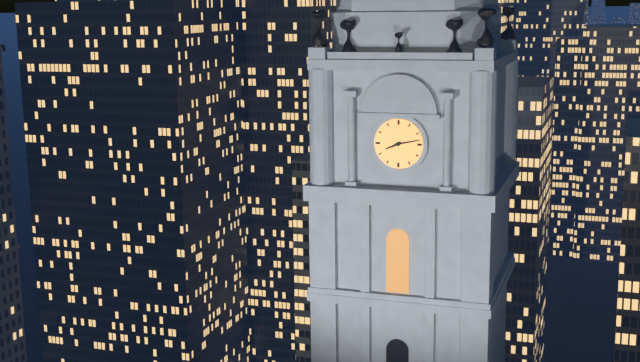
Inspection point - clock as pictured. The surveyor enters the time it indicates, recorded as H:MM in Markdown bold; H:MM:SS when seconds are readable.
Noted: **8:13**
